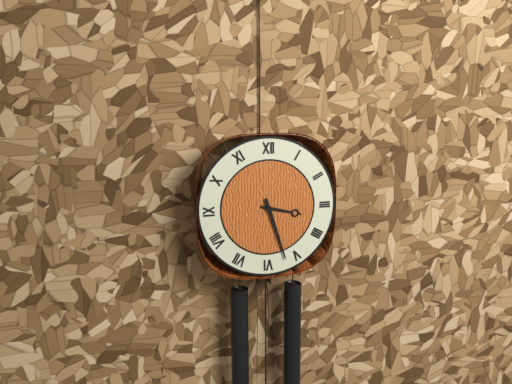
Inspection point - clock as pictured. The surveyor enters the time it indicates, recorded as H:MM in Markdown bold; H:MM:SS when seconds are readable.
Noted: **3:27**
